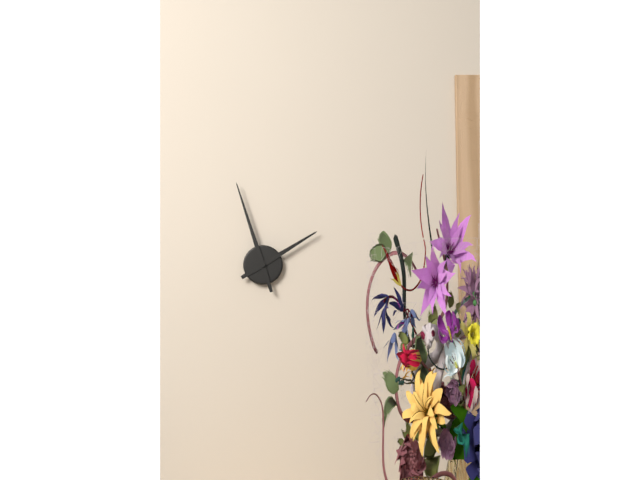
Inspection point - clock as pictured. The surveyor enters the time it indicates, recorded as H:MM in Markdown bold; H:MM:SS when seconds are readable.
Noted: **1:57**
